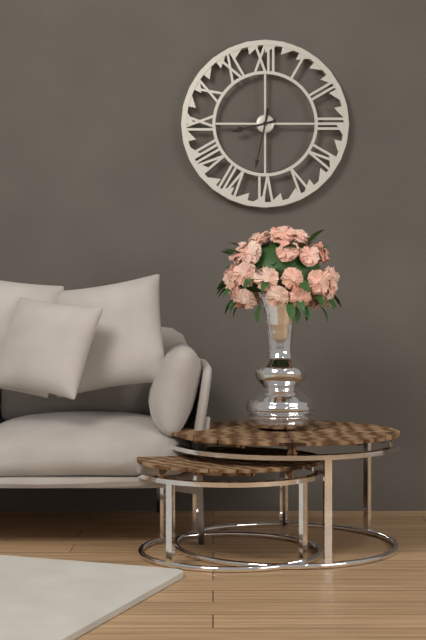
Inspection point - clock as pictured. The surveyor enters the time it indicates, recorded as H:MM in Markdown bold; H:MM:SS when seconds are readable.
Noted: **8:32**
